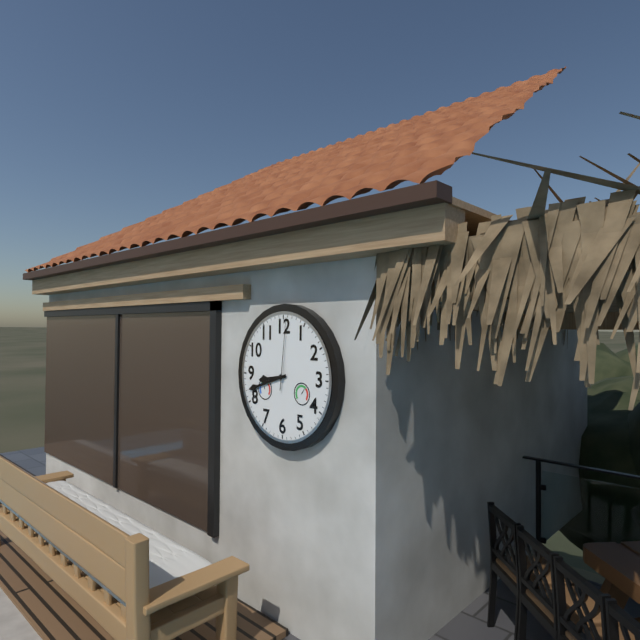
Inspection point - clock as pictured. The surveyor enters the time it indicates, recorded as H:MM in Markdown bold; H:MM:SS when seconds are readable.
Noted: **8:42:01**
